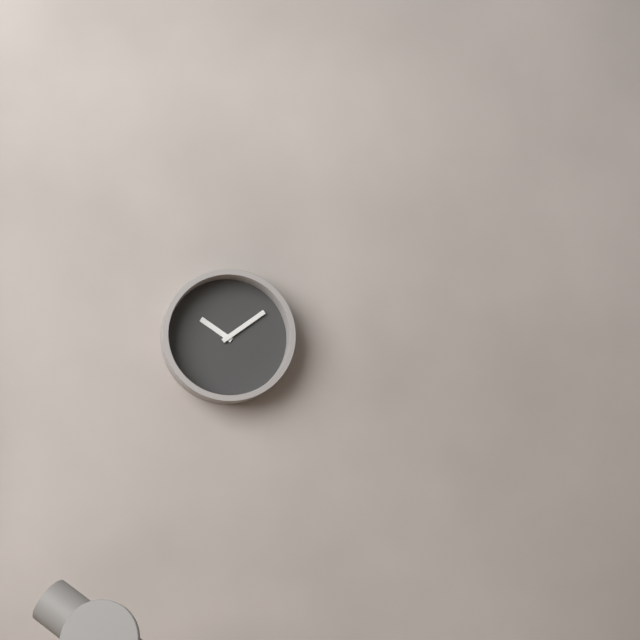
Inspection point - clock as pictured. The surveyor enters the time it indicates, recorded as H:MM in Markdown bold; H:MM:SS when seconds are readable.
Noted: **10:09**
